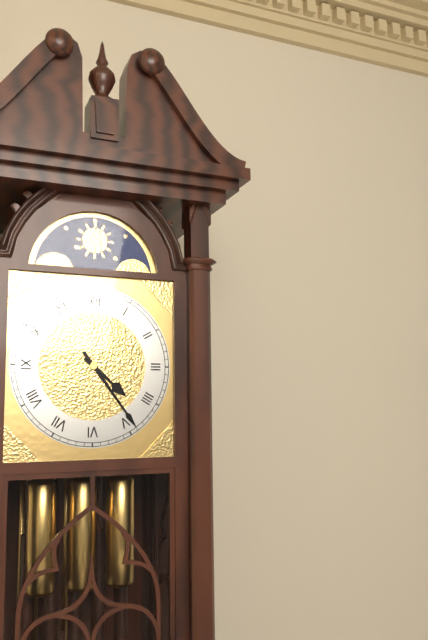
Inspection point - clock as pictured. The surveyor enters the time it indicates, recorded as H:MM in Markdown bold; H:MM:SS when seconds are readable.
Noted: **4:24**
